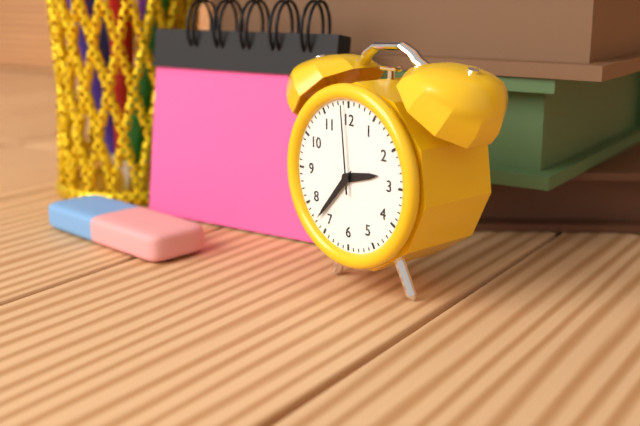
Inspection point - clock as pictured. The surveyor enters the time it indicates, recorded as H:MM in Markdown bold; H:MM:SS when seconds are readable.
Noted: **2:37:59**
